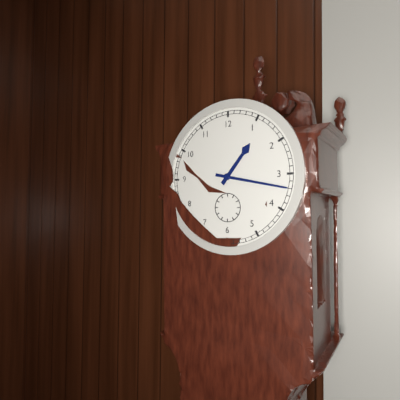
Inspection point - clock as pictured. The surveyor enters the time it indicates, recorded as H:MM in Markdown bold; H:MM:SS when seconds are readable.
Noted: **1:17**
